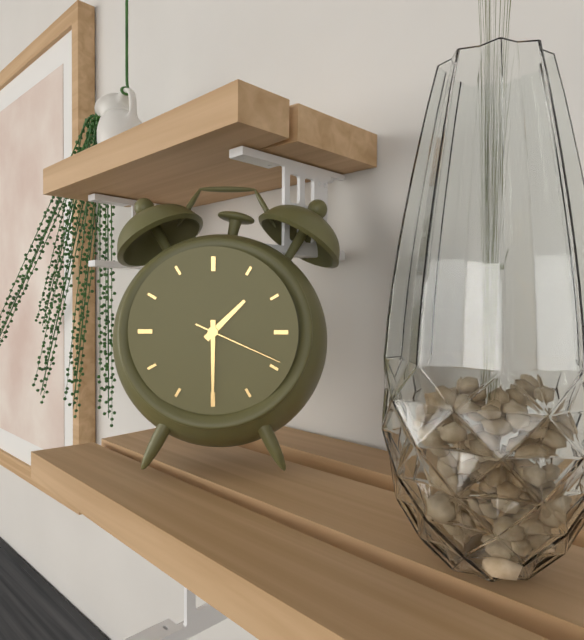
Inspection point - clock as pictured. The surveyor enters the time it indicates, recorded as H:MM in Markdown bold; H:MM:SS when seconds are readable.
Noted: **1:30:19**
